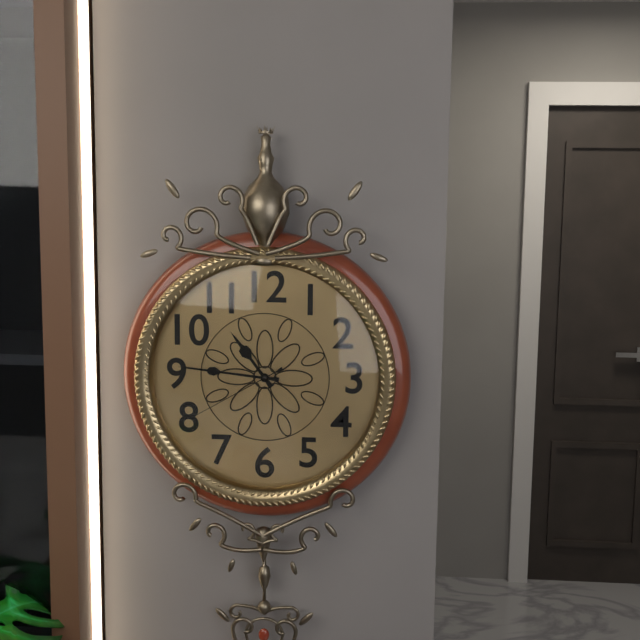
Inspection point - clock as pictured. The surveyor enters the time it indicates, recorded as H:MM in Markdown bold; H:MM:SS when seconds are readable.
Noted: **10:46:40**
